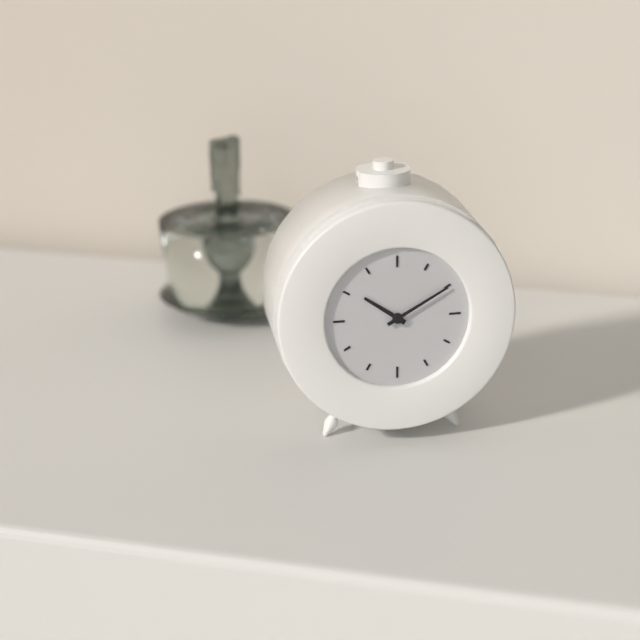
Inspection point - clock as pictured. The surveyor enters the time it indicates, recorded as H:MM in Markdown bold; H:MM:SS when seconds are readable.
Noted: **10:10**
